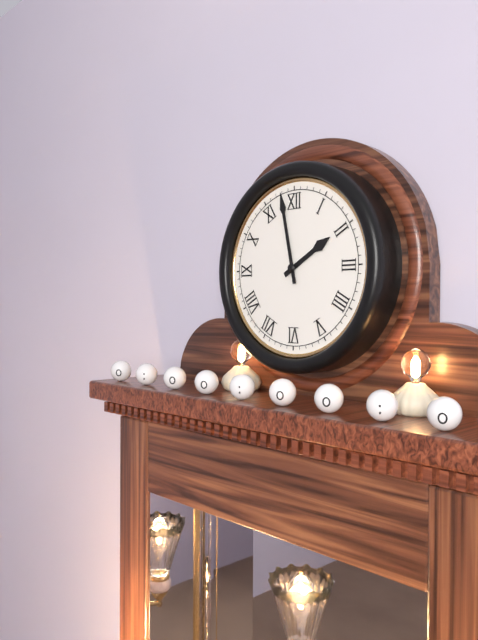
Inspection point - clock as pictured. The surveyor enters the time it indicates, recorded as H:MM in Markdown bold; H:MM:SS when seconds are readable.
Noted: **1:58**
